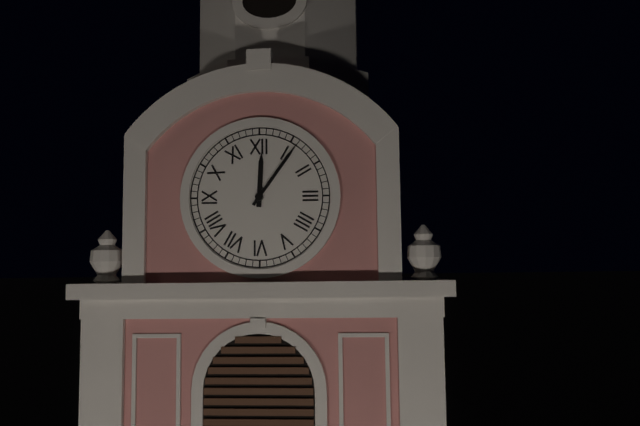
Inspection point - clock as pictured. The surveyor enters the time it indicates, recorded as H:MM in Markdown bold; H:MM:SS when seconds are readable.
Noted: **12:06**
